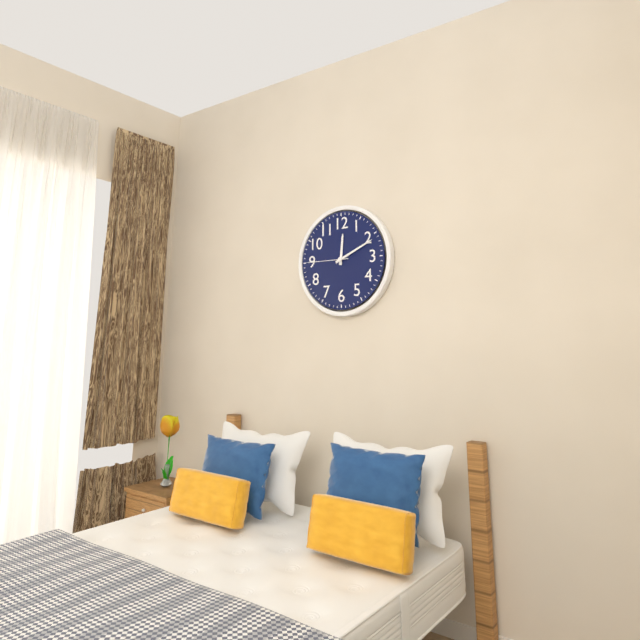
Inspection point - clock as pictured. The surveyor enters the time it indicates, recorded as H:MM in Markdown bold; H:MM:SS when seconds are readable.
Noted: **12:11**
